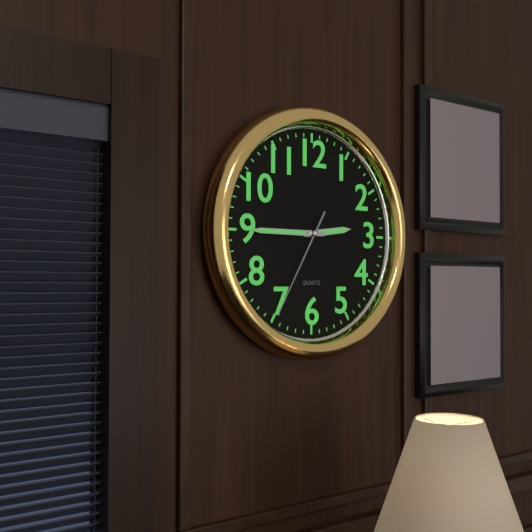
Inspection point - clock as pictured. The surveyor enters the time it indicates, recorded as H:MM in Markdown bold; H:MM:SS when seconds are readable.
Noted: **2:45:35**
